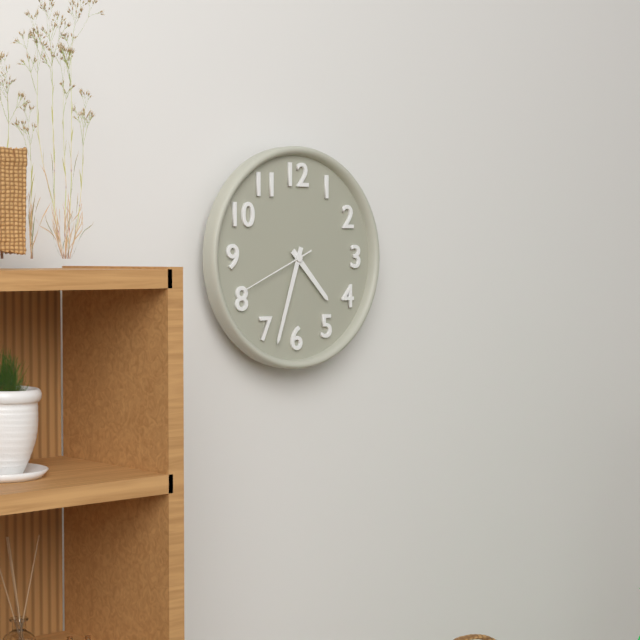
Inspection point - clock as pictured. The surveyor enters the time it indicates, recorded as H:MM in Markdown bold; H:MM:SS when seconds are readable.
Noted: **4:33:41**
